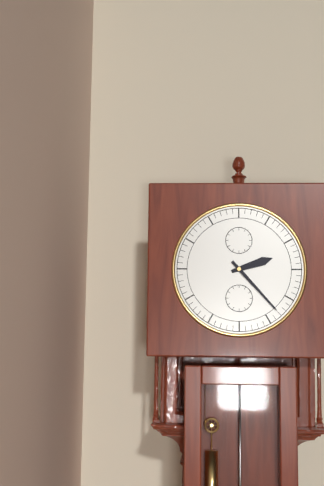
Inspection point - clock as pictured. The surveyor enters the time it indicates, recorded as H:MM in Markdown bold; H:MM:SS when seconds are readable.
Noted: **2:23**
